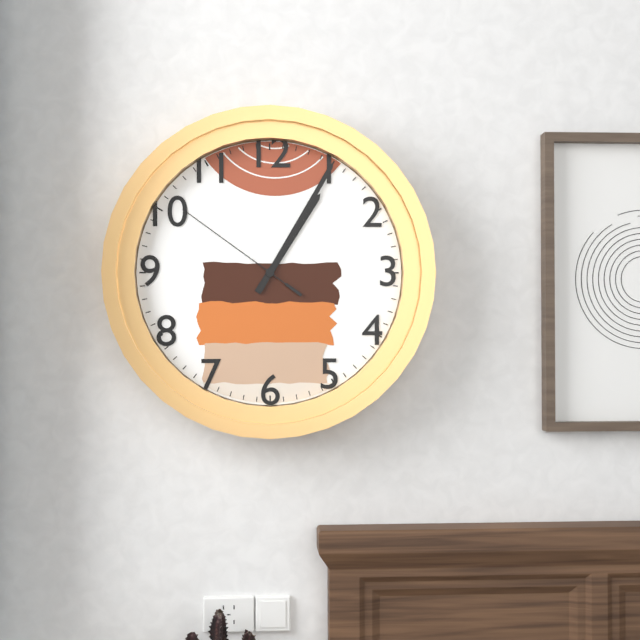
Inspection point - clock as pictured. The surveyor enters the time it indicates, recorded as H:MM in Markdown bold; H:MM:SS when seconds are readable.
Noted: **1:05:51**
